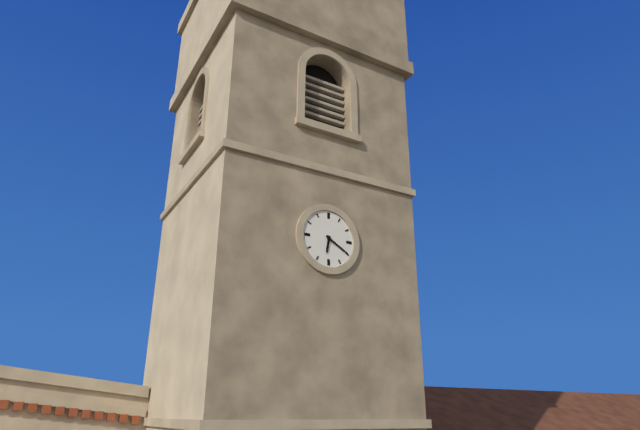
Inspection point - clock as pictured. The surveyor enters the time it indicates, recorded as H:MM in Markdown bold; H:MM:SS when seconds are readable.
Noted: **6:20**
